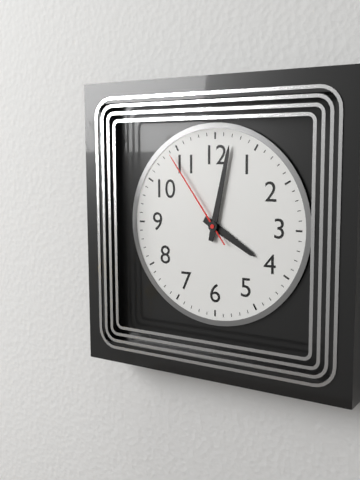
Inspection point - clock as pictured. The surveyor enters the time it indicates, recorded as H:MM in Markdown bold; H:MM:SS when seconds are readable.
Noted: **4:02:54**
